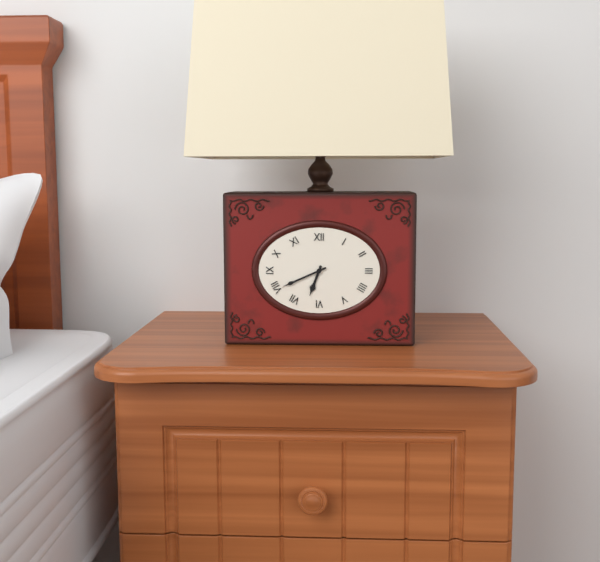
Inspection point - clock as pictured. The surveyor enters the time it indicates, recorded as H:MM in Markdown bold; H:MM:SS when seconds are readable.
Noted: **6:41**
